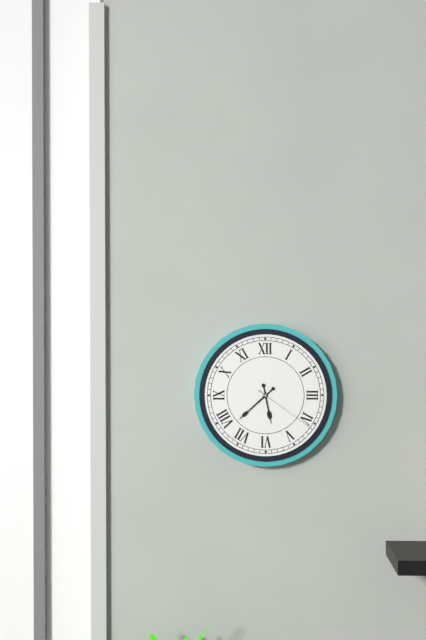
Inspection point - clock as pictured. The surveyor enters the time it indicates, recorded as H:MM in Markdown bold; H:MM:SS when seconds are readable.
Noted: **5:38:21**
